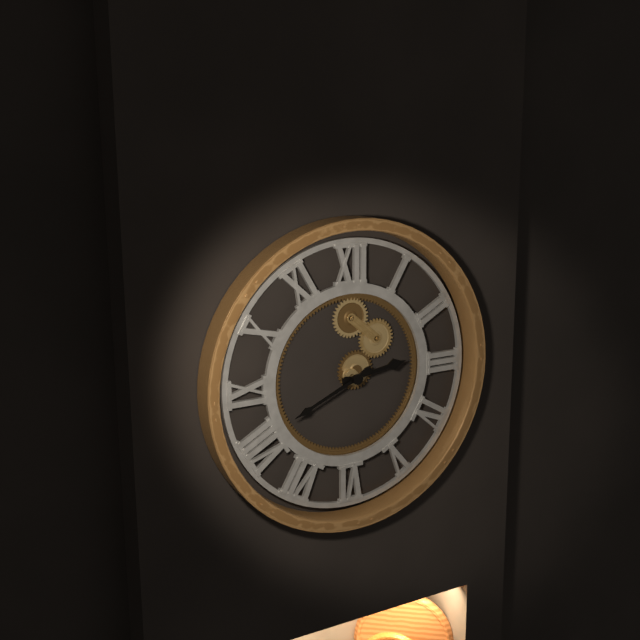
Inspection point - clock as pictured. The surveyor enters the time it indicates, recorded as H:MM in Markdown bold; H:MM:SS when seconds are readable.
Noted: **2:41**
